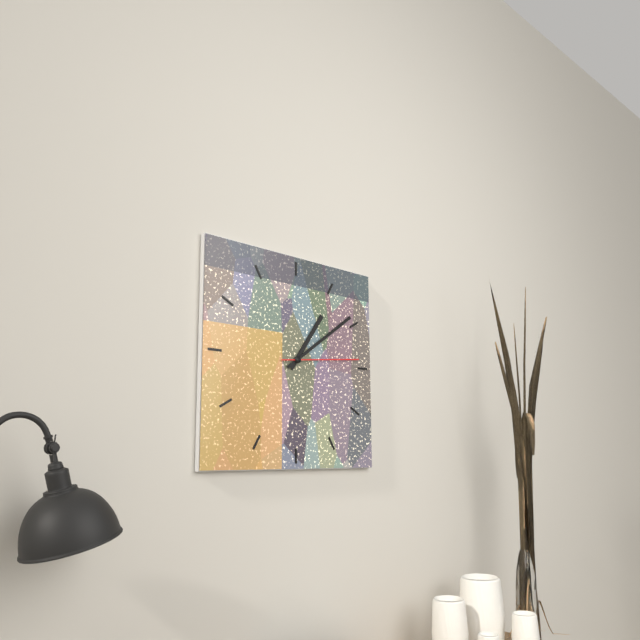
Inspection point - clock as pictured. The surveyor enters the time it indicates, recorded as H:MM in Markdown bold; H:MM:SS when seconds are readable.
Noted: **1:09:14**
